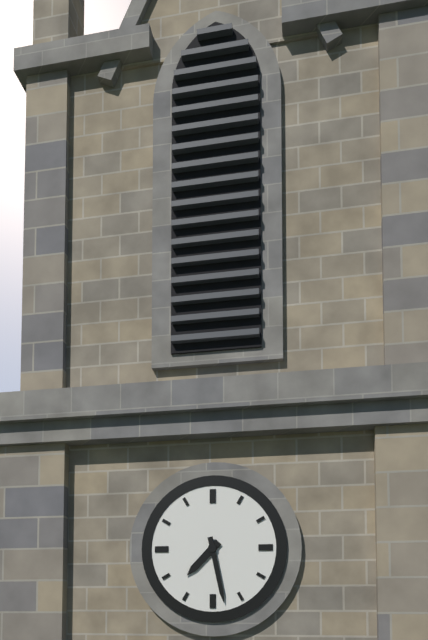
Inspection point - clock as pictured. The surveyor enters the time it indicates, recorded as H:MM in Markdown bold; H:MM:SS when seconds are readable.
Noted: **7:28**
